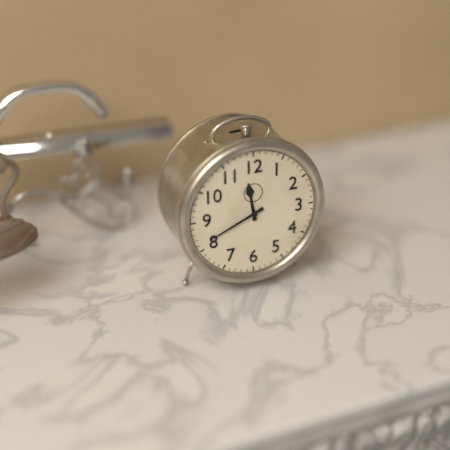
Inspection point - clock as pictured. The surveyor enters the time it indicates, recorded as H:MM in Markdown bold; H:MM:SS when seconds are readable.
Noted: **11:41**
